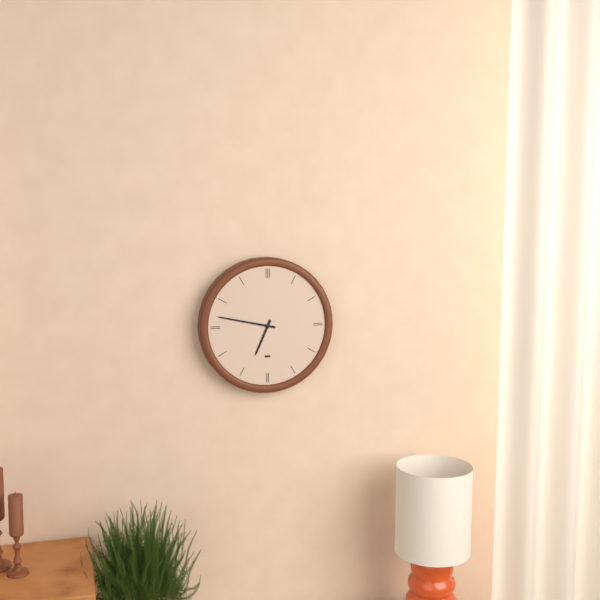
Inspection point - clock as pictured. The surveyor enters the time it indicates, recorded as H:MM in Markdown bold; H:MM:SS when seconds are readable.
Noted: **6:47**
